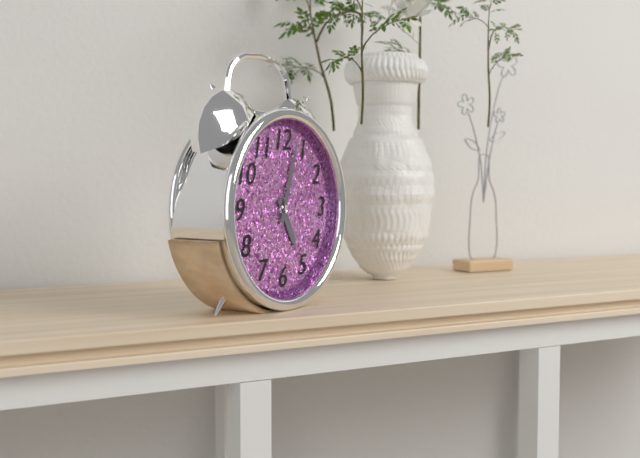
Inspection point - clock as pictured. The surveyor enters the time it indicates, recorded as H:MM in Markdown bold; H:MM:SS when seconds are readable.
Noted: **5:03**
